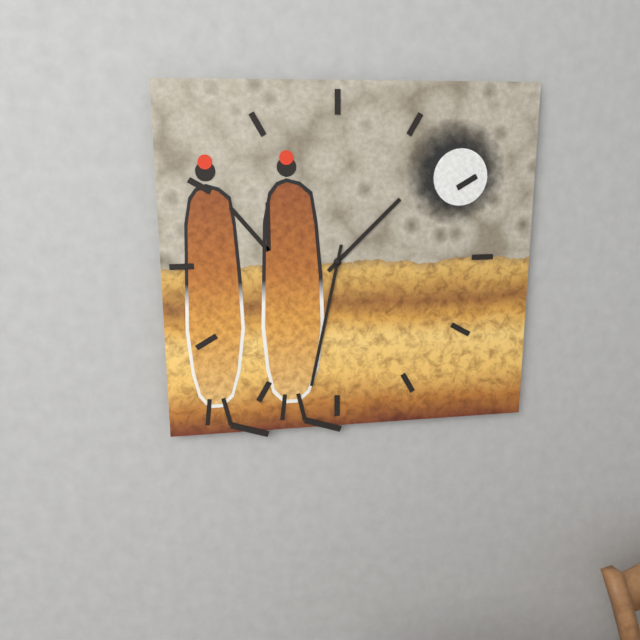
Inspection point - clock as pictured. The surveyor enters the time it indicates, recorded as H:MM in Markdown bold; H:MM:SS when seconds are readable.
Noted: **1:32**
